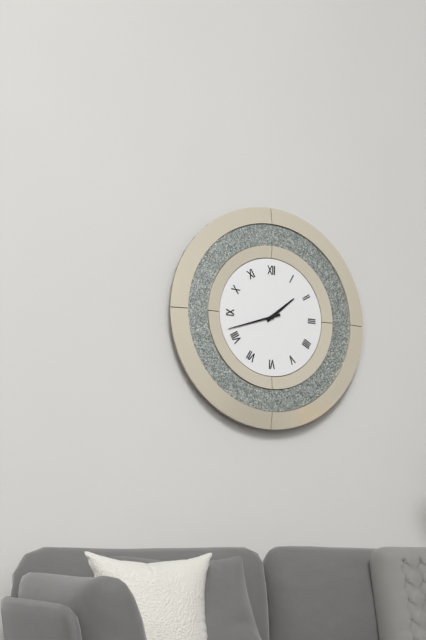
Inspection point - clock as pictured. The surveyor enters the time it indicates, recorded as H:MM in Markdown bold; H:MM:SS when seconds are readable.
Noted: **1:42**
